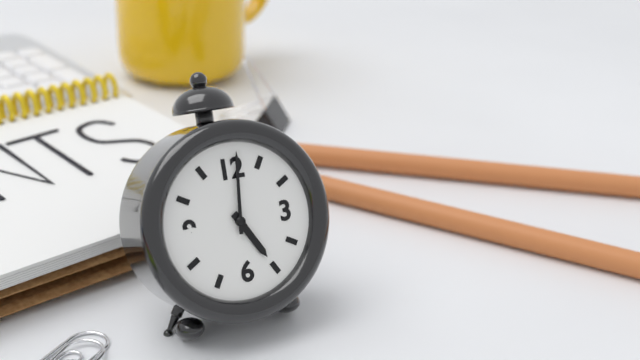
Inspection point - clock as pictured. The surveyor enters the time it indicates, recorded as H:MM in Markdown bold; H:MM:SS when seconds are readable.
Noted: **5:01**
